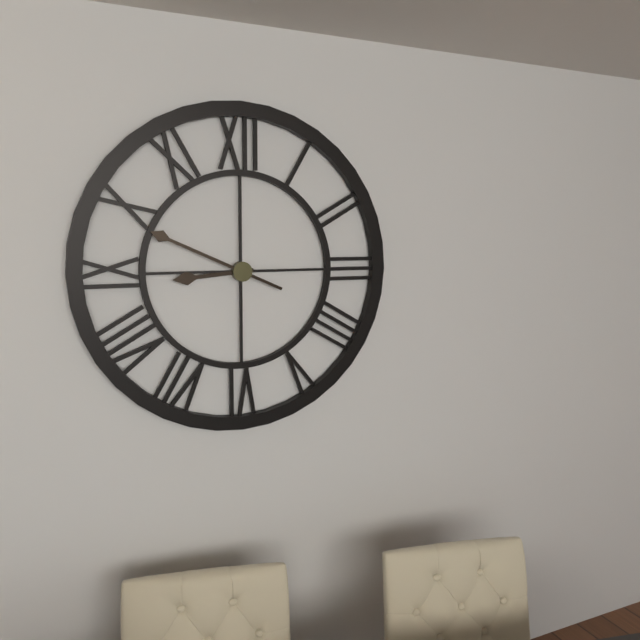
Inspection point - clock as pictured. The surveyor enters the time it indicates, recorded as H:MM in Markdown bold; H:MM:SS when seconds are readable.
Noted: **8:49**
